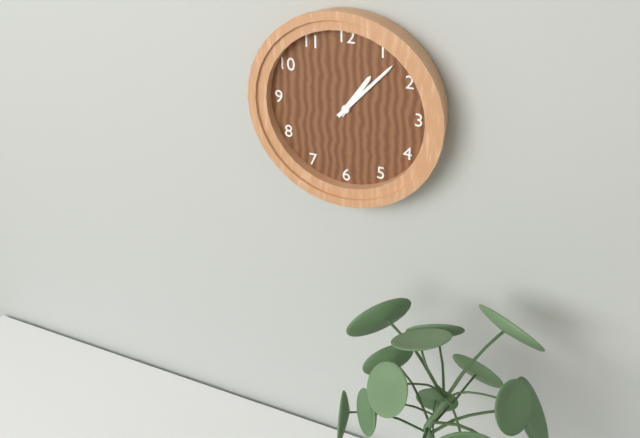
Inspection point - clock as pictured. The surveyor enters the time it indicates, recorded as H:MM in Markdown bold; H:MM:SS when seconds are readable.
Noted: **1:07**
